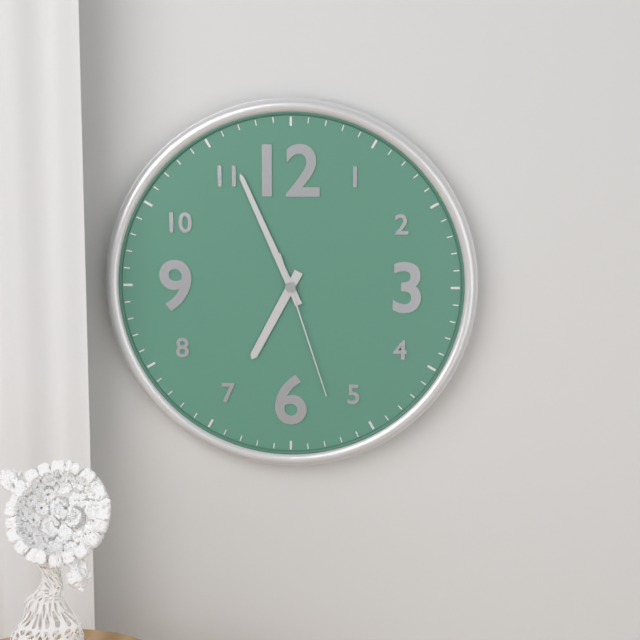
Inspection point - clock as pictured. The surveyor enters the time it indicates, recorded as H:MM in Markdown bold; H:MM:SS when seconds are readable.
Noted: **6:56:27**
